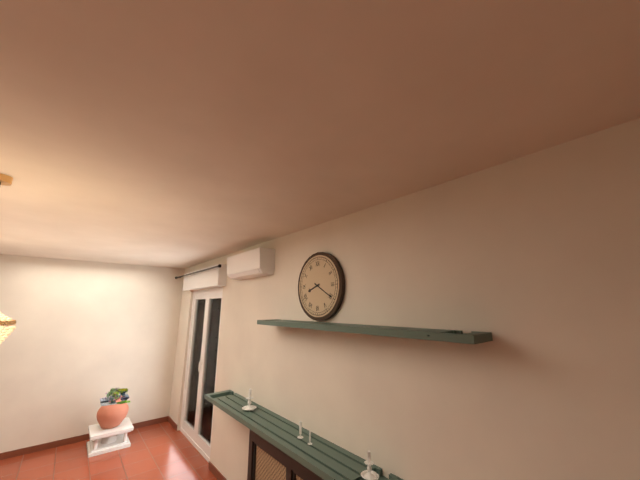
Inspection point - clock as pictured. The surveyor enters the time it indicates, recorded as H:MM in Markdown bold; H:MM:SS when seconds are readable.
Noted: **8:20**
